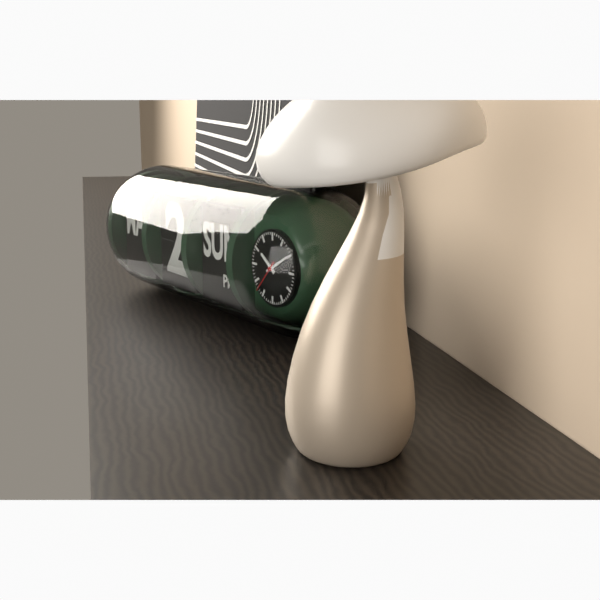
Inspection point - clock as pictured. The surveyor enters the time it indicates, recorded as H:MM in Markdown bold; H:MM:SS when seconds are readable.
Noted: **10:10**
